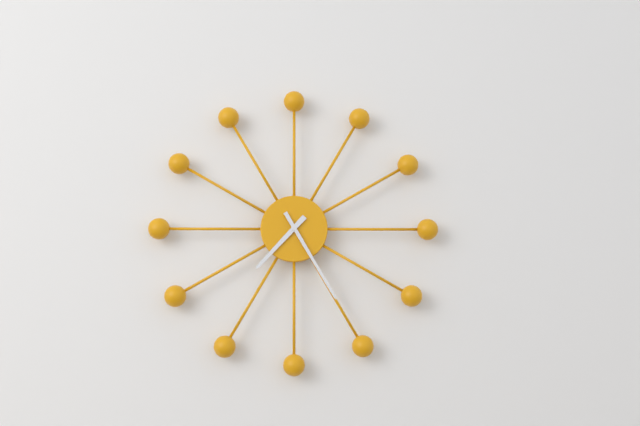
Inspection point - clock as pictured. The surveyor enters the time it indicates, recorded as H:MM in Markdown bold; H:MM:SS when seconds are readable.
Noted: **7:25**
